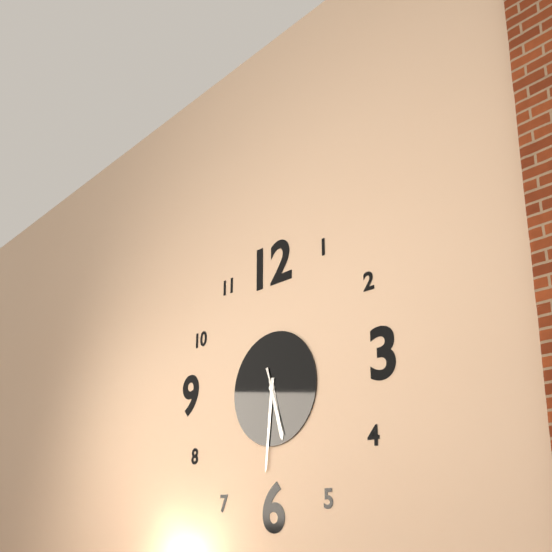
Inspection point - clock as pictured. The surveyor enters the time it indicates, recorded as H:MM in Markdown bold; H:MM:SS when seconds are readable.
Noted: **5:31:27**
